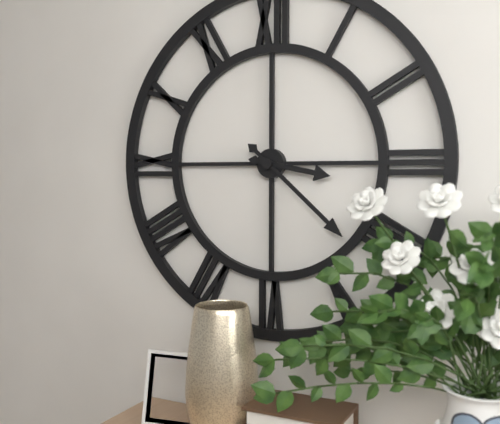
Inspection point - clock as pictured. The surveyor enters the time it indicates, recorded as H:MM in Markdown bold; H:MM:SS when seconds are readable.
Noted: **3:22**
